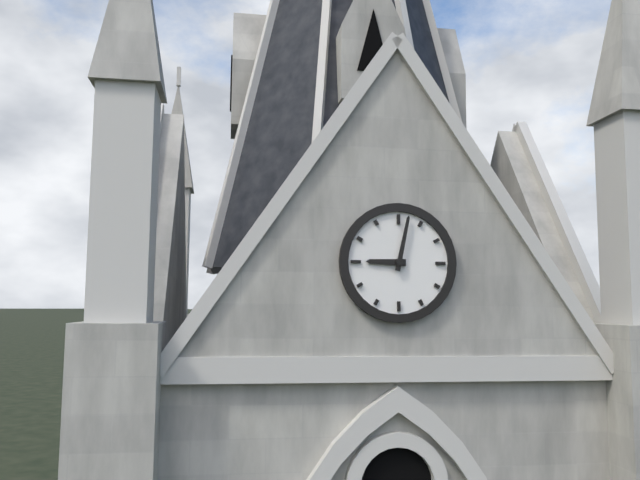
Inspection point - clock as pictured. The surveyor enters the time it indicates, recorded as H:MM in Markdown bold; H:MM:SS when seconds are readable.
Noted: **9:02**
